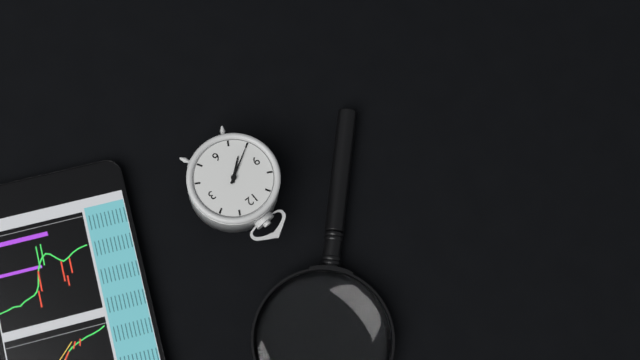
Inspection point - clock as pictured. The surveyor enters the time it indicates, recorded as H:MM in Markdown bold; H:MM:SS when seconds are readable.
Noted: **7:40**
